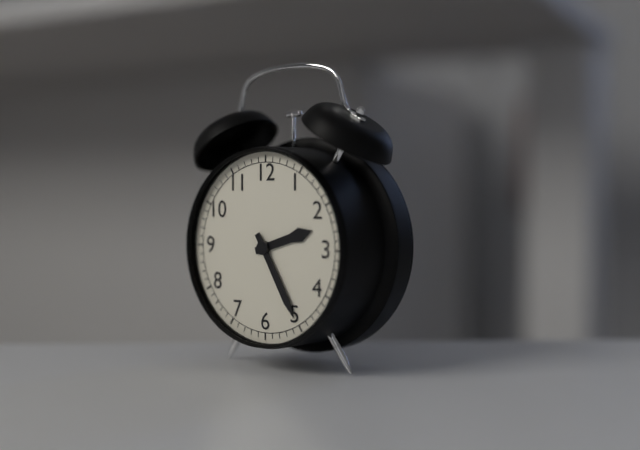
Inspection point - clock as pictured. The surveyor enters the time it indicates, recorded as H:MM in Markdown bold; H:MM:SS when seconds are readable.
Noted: **2:25**
